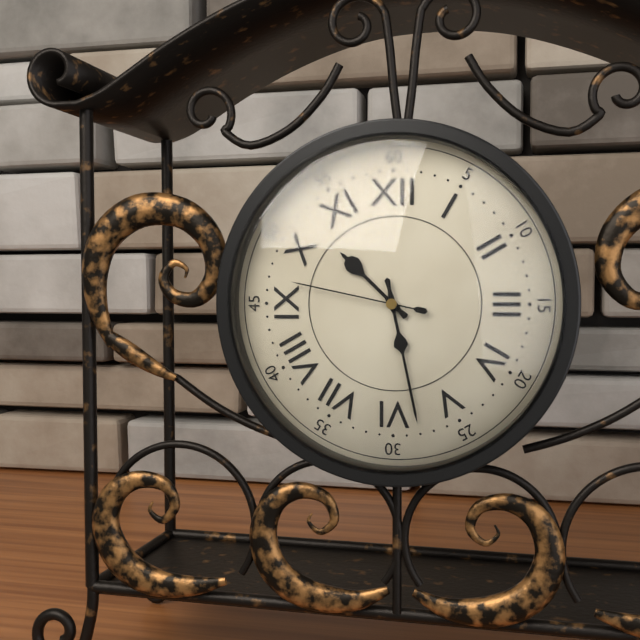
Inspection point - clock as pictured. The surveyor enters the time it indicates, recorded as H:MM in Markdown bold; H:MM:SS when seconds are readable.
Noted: **10:28:47**
